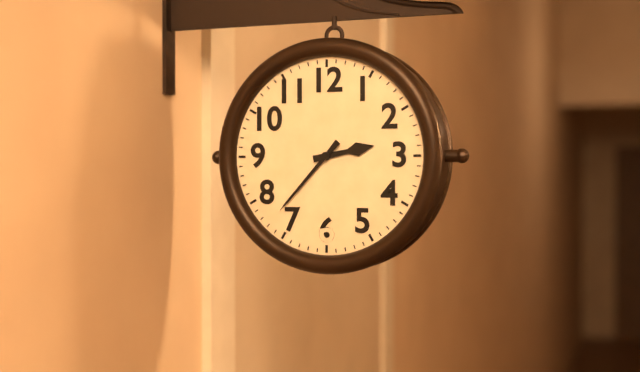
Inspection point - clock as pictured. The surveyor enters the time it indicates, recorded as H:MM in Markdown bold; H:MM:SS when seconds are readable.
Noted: **2:37**
